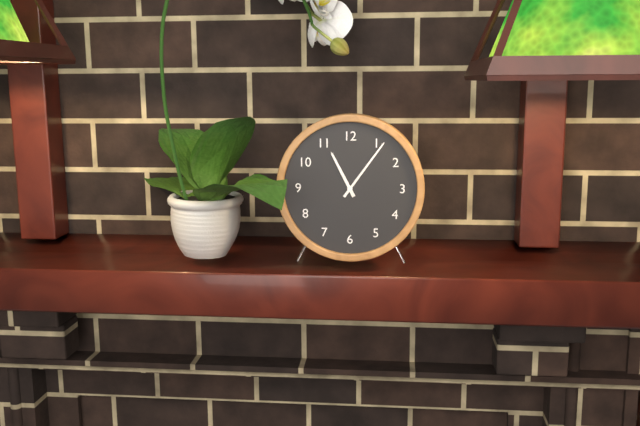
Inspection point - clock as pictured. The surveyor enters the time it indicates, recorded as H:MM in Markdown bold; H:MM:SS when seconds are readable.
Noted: **11:06**
